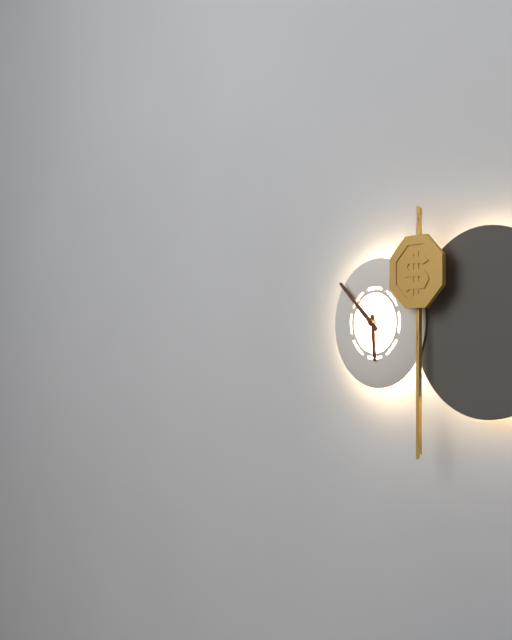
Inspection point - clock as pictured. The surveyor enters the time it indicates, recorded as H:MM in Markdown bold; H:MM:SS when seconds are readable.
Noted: **5:52**
